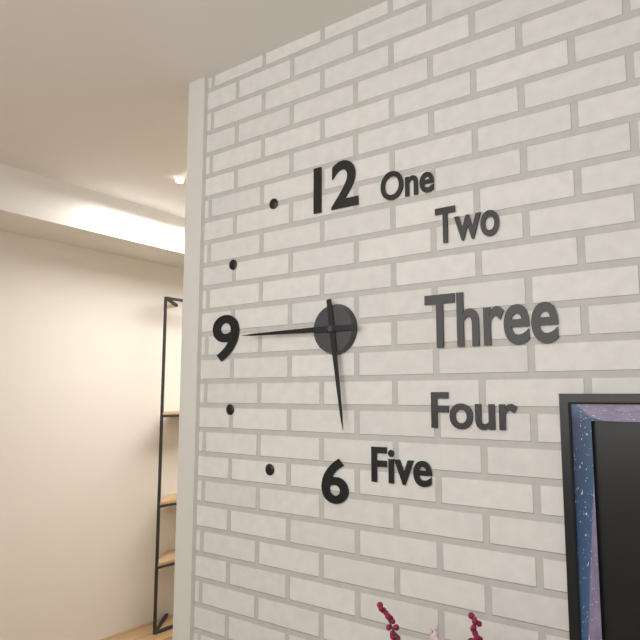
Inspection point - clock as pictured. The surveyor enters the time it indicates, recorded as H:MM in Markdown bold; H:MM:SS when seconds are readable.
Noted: **5:45**
